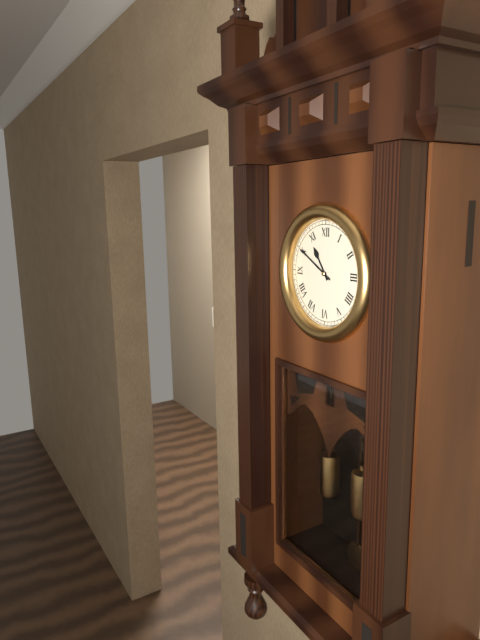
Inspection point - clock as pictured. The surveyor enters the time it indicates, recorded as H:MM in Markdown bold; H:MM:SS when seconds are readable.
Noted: **10:50**
